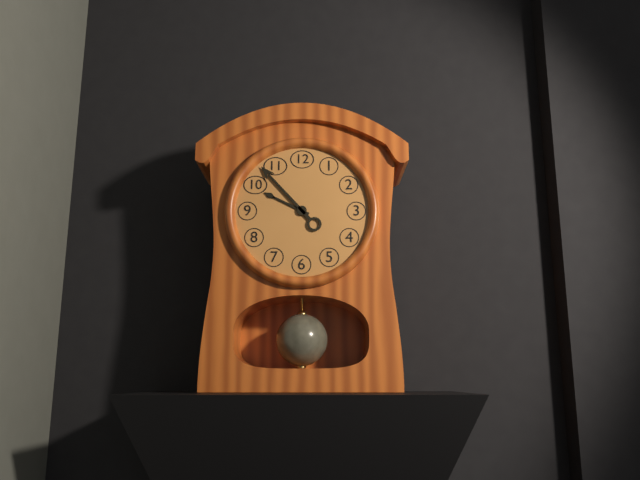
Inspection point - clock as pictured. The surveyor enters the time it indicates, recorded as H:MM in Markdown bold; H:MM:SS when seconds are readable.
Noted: **9:53**
